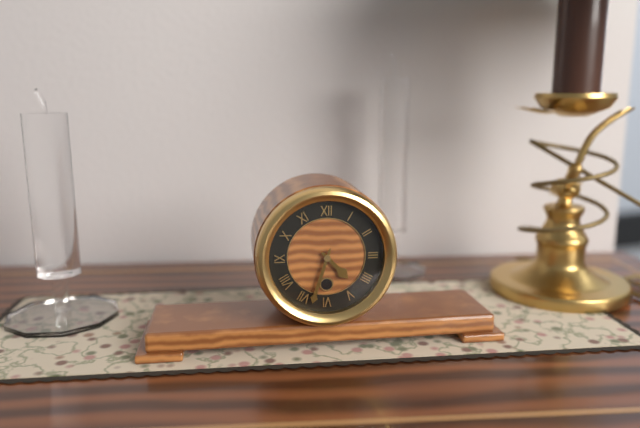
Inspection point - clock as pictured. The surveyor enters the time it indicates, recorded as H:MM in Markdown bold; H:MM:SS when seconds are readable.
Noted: **4:33**
